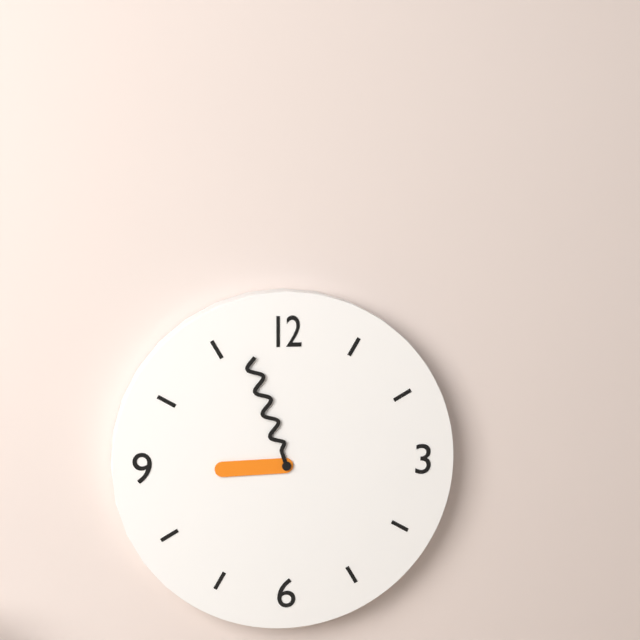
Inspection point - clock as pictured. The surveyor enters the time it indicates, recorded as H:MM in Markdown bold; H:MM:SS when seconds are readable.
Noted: **8:57**
